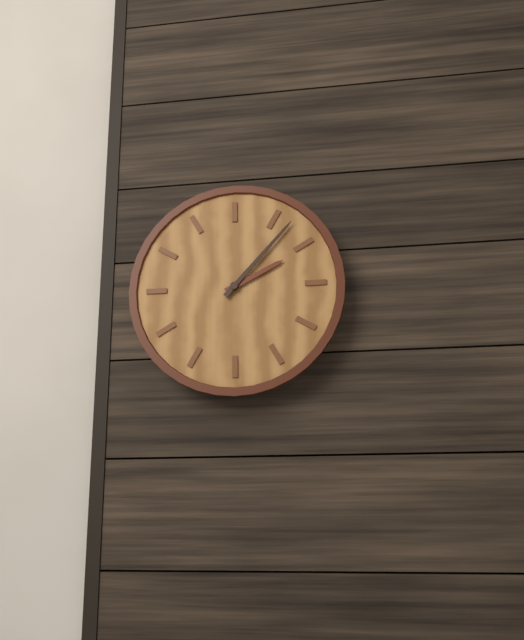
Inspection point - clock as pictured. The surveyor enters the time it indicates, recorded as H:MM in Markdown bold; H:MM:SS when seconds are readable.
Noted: **2:07**
